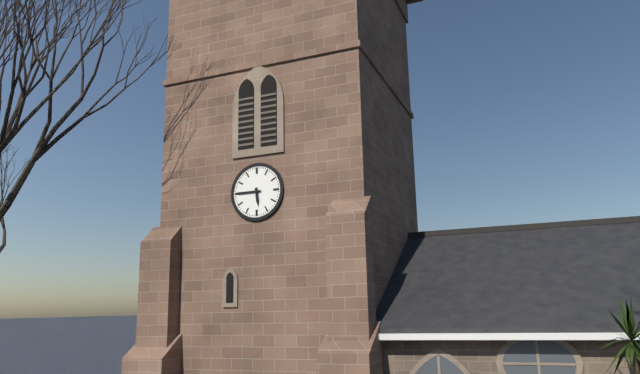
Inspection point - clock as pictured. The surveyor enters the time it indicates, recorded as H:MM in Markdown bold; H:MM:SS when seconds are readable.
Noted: **5:45**
